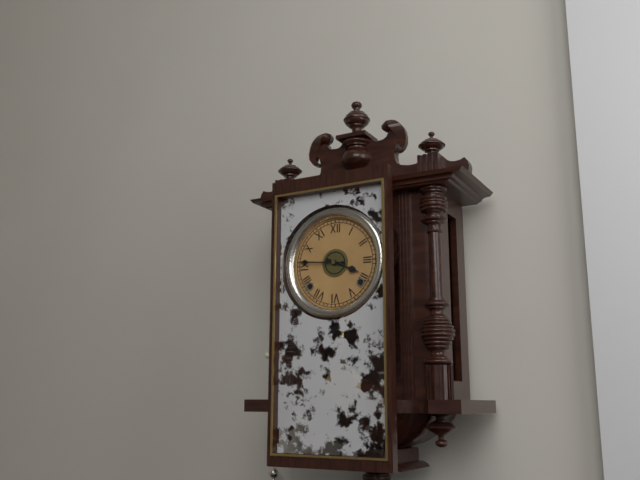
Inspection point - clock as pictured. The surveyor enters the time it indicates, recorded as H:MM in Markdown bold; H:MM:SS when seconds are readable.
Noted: **3:46**
